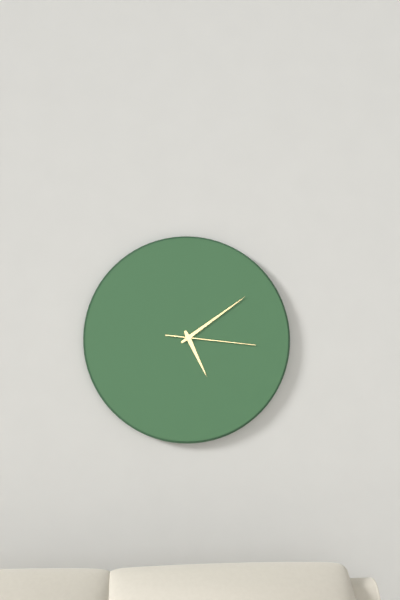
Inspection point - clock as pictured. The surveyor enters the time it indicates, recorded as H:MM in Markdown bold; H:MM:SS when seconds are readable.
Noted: **5:09:16**
